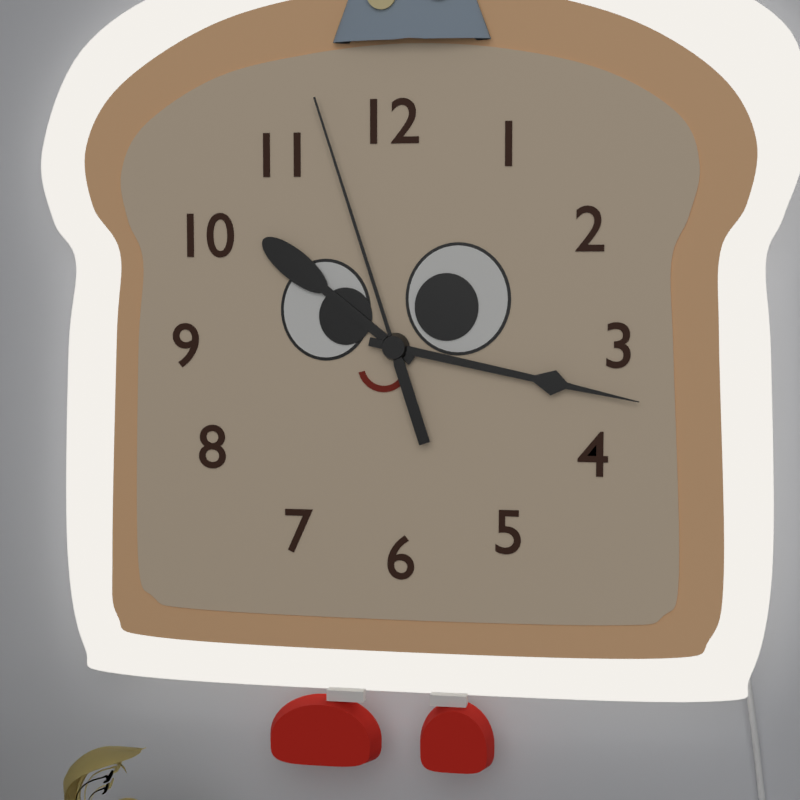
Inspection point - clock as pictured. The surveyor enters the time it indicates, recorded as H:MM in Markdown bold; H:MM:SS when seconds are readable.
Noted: **10:17:57**
